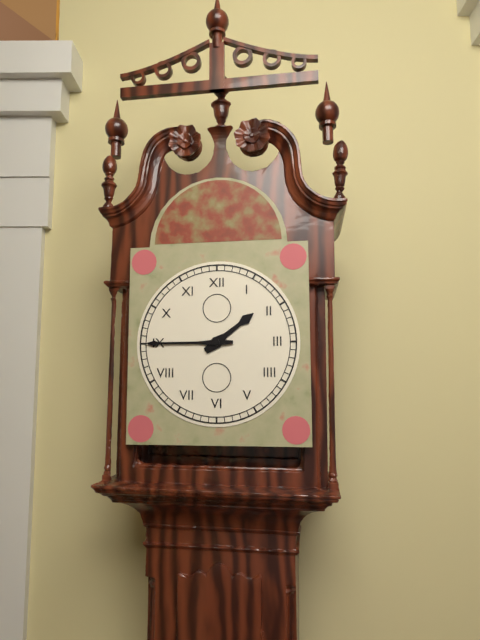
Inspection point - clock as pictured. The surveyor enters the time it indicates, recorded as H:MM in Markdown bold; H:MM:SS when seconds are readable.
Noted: **1:45**
